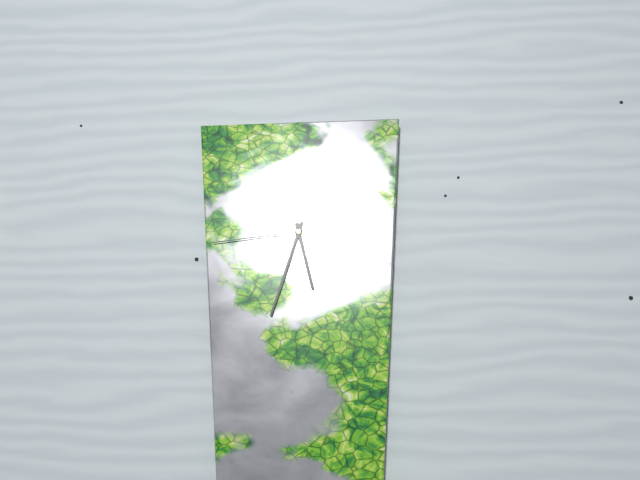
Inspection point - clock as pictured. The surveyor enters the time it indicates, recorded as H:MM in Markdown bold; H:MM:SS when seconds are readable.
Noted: **5:33:44**
